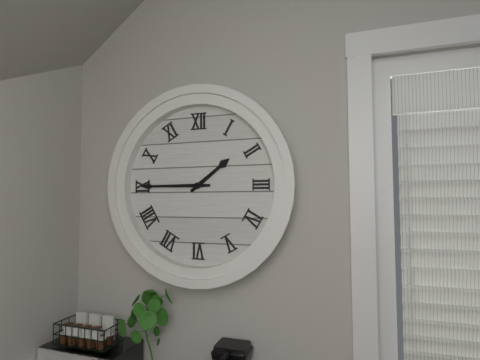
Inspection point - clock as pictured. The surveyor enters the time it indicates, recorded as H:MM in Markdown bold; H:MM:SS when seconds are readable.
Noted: **1:45**
